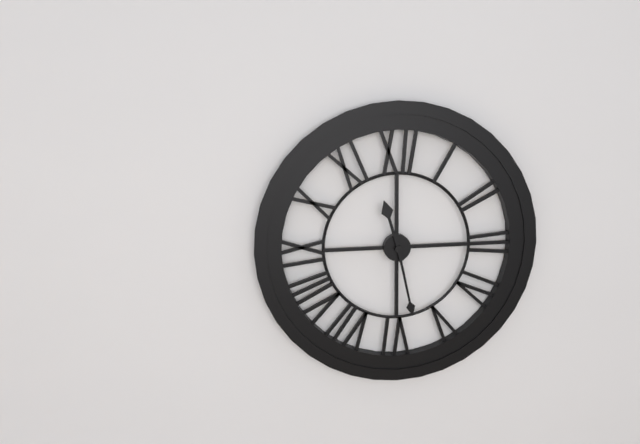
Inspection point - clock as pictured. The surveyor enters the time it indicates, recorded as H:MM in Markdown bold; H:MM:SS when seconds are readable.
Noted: **11:28**
